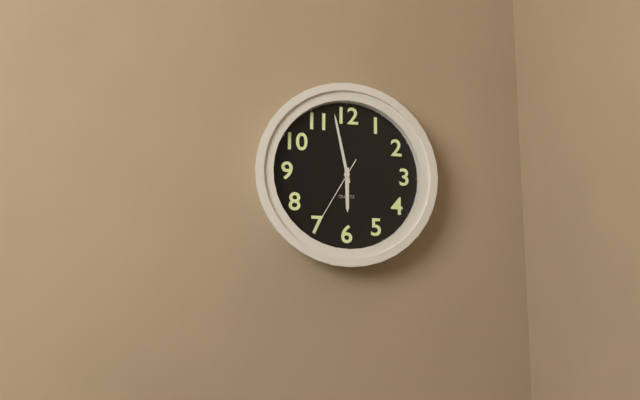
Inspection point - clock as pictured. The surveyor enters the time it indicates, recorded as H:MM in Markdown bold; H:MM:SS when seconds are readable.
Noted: **5:58:35**
